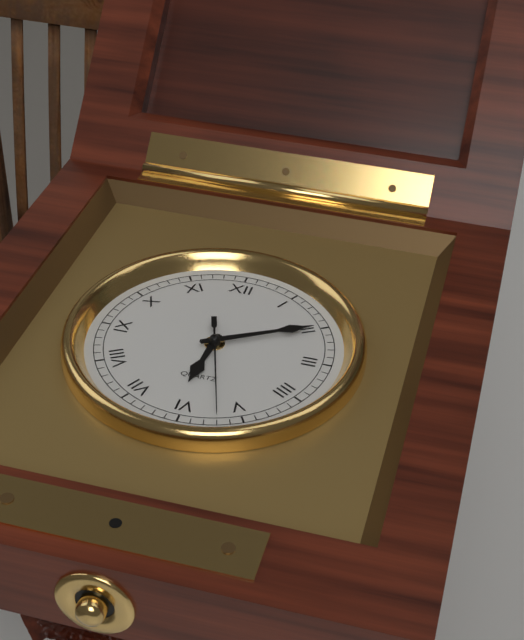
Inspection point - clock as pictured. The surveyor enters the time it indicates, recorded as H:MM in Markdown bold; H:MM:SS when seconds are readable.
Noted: **6:10:27**
